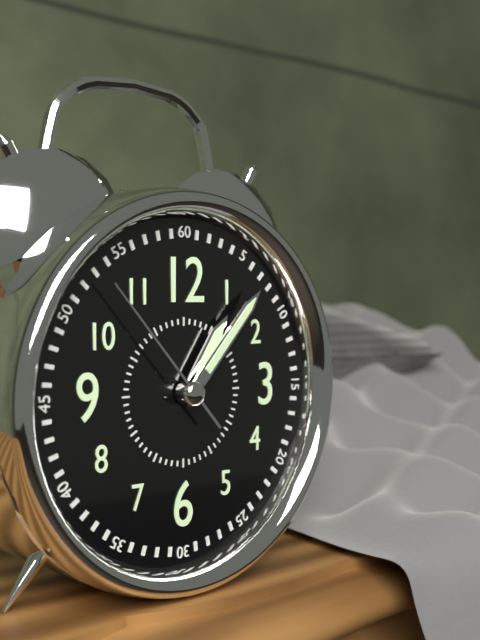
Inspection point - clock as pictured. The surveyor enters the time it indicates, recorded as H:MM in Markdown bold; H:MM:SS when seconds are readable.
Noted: **1:07:53**
